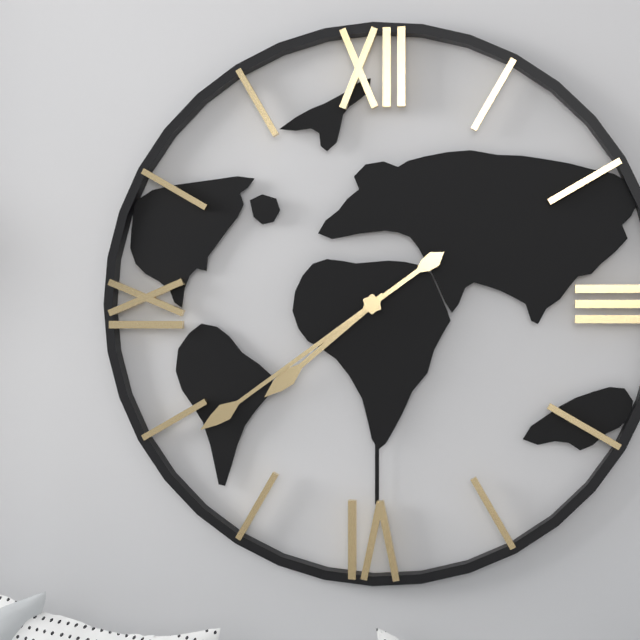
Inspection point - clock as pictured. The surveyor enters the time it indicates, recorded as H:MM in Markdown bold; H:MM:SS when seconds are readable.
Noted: **7:39**
